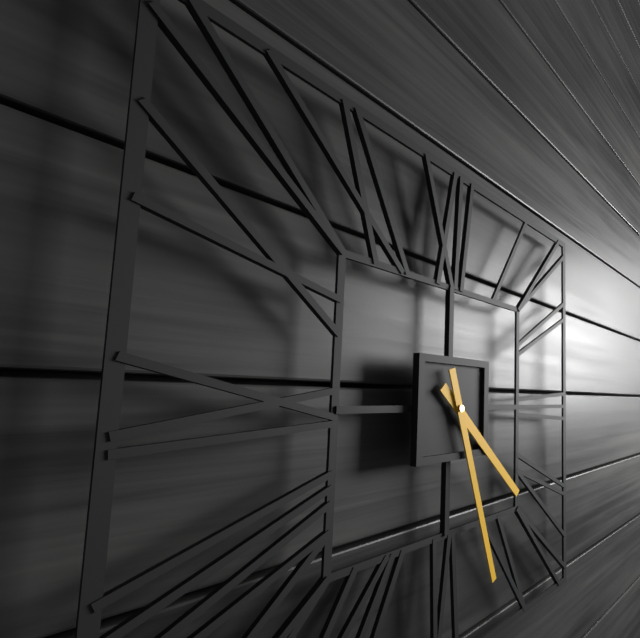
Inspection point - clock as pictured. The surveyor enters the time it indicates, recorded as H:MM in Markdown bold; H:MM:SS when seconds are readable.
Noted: **4:27**
